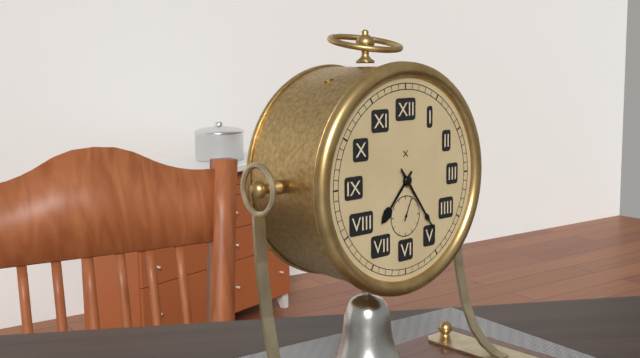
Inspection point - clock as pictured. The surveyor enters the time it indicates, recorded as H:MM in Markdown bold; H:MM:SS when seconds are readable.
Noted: **7:24**
